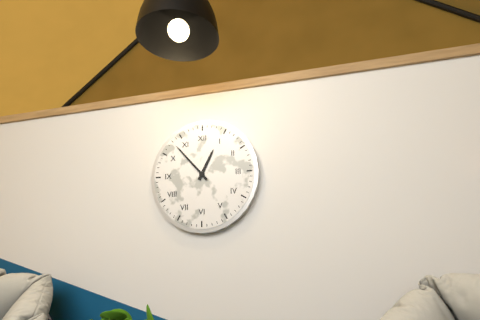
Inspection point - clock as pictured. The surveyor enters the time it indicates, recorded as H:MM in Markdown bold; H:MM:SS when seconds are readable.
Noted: **12:53**
